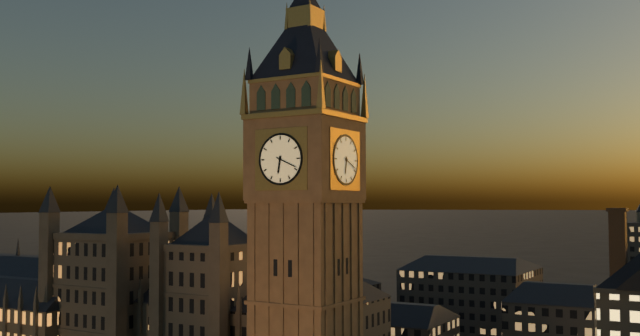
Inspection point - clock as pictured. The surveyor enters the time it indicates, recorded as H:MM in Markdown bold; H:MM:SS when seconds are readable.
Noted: **6:19**
